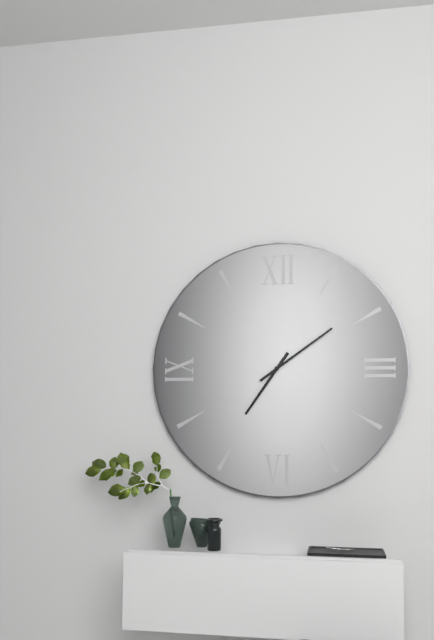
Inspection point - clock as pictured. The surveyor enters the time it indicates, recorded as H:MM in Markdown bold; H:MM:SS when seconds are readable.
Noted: **7:09**
